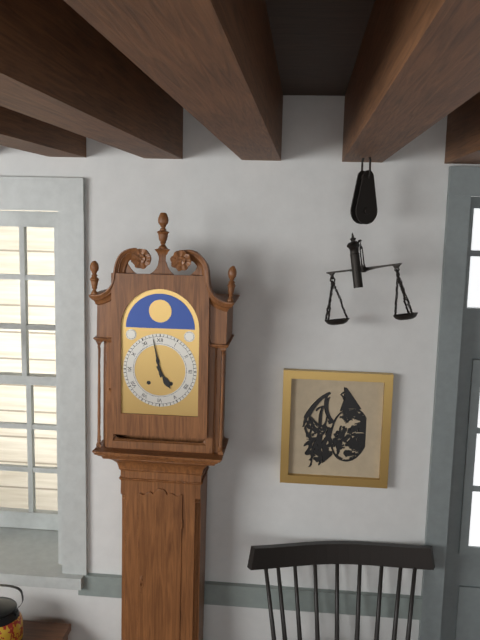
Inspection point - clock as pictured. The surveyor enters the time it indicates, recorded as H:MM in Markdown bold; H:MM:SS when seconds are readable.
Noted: **4:58**
